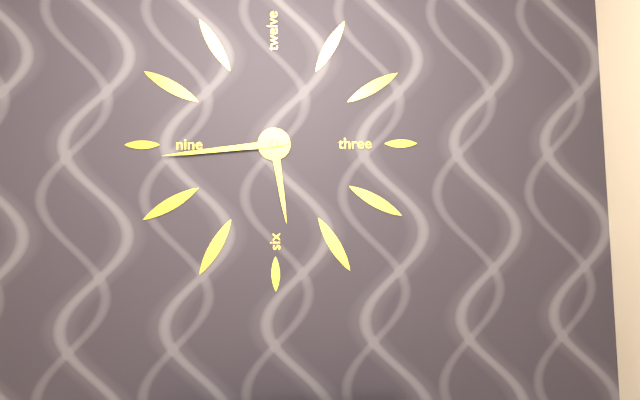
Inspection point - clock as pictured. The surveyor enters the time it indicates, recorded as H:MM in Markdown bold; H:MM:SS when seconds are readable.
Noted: **5:44**
